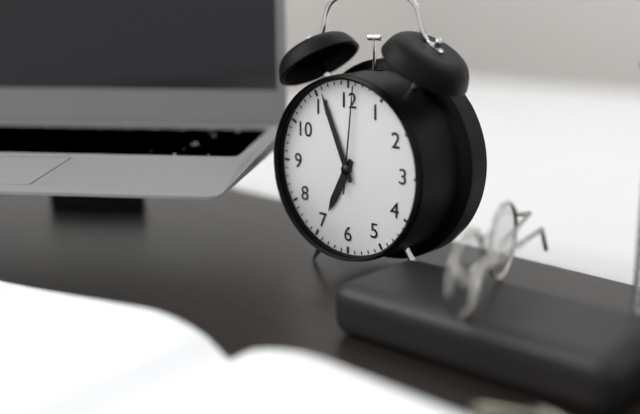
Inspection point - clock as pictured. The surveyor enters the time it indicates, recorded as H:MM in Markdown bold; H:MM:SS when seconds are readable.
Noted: **6:56:01**
